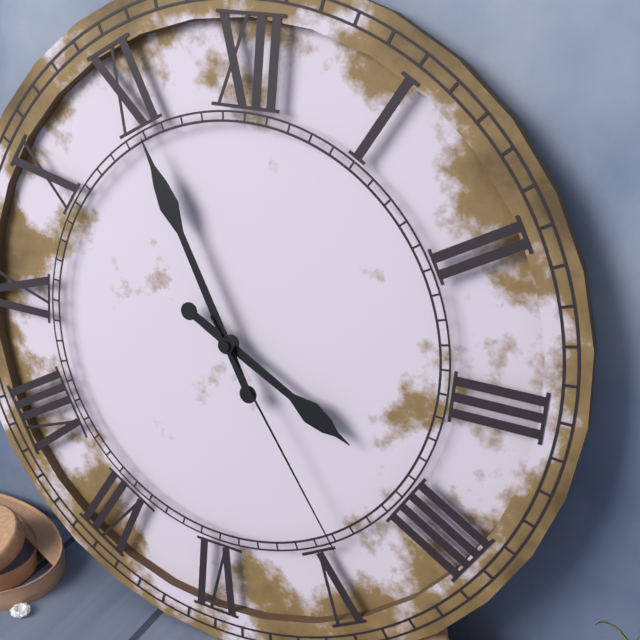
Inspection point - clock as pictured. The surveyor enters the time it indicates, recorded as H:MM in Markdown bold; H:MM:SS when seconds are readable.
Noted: **3:55:24**
